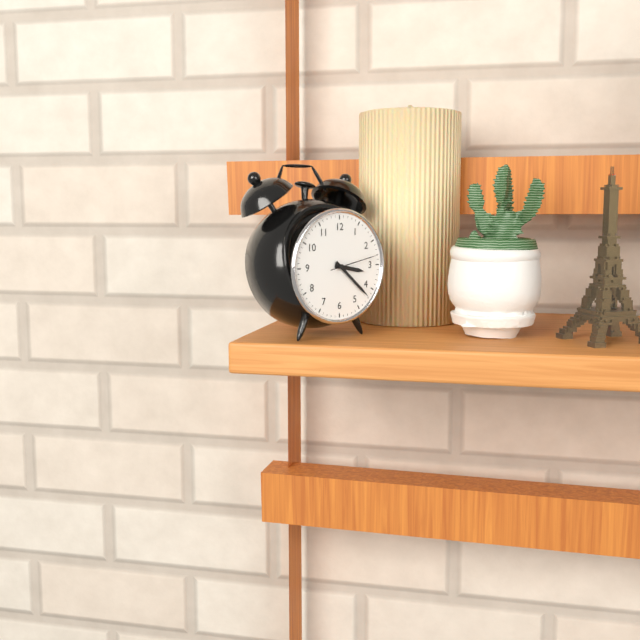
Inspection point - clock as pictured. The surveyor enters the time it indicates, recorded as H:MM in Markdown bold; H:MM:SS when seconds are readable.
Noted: **3:22**
